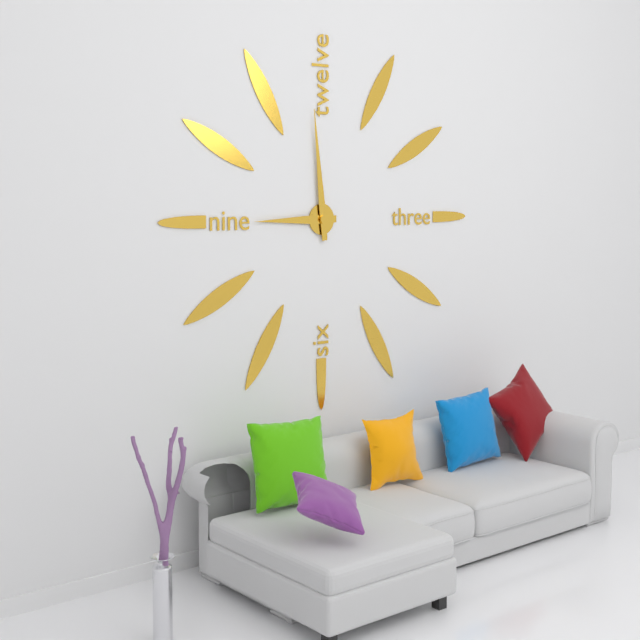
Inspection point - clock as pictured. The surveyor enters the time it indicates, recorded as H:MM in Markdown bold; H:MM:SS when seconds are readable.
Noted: **8:59**
